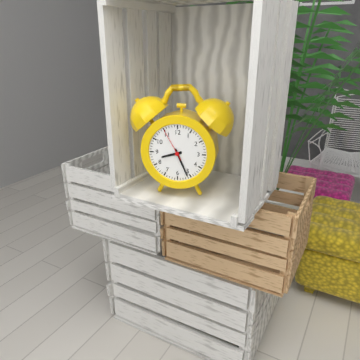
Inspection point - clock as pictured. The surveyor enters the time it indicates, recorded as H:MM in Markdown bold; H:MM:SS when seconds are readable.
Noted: **8:26**
